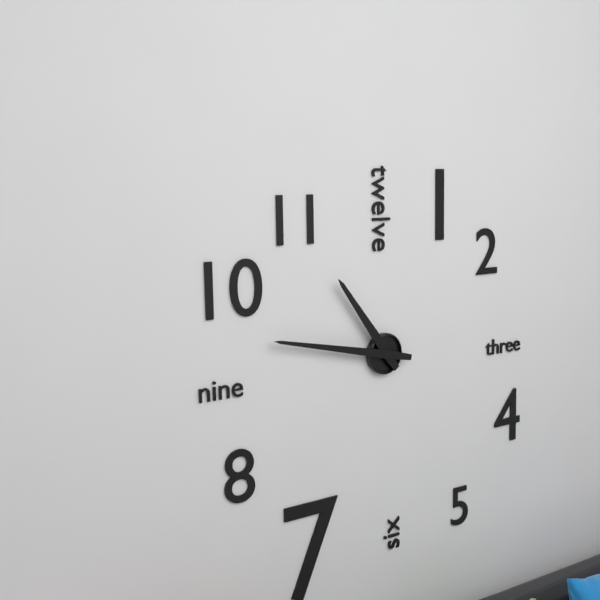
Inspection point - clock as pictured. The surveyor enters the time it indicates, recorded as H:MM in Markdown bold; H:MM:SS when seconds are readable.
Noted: **10:47**
